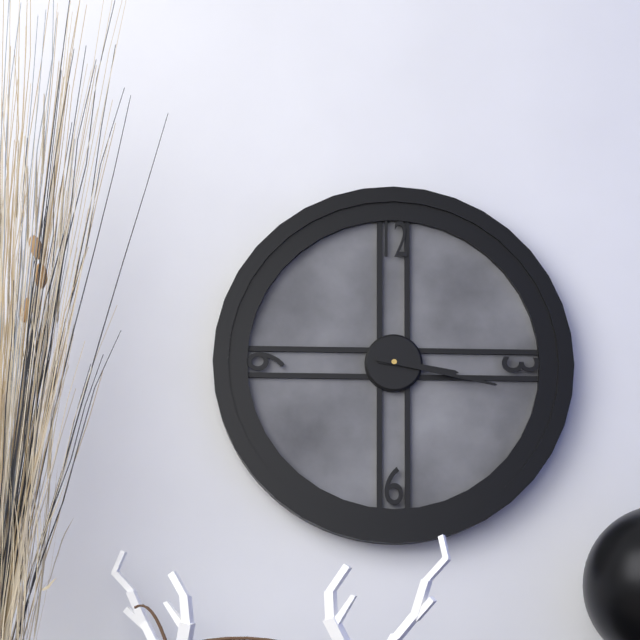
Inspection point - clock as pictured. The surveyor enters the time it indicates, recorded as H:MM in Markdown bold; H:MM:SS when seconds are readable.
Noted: **3:17**
